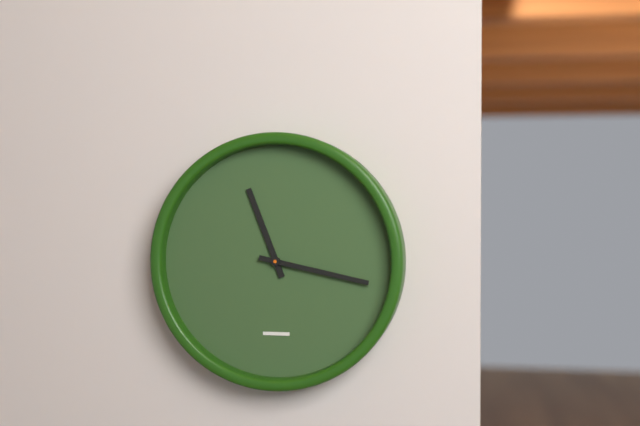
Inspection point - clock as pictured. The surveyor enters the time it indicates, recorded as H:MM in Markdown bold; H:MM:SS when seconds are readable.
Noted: **11:17**
